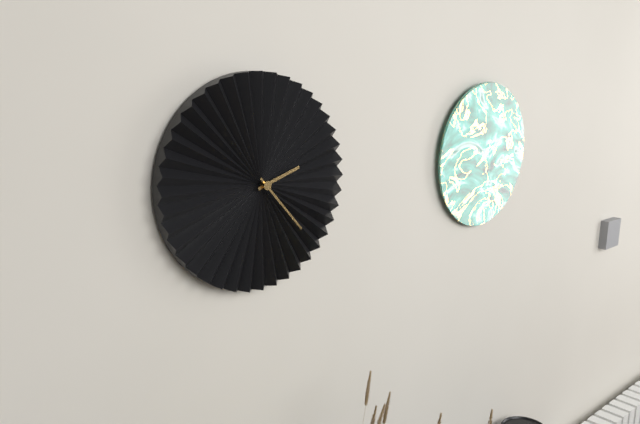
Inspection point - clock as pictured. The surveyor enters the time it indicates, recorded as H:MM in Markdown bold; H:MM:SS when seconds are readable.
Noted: **2:23**
